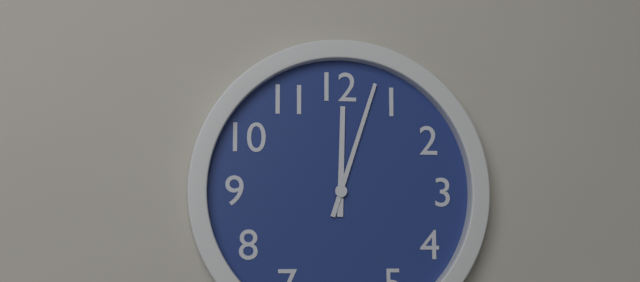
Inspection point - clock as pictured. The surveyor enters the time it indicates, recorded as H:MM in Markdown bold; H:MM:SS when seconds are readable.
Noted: **12:03**
